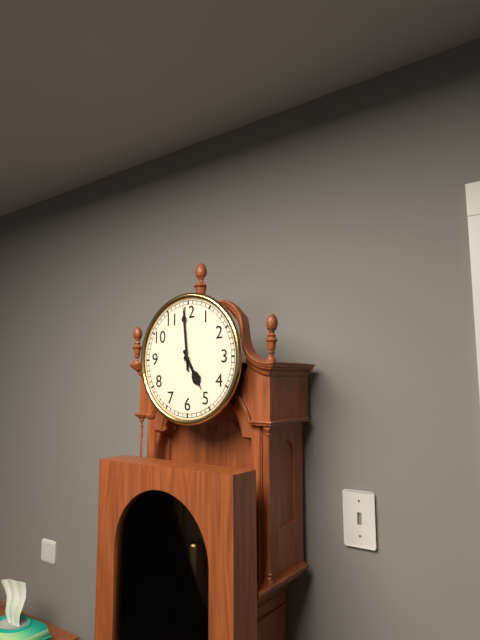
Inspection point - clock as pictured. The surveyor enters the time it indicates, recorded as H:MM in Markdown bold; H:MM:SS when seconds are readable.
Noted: **4:59**
